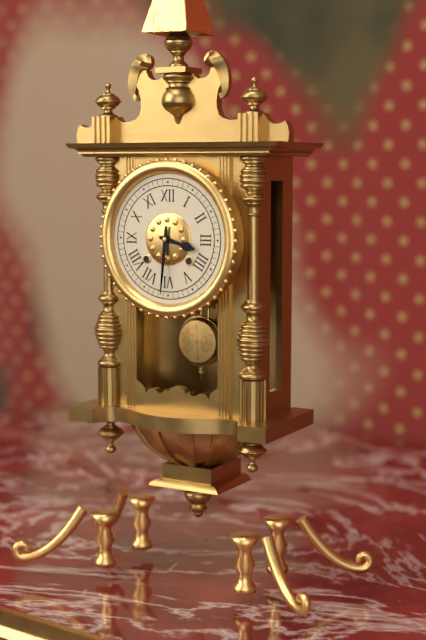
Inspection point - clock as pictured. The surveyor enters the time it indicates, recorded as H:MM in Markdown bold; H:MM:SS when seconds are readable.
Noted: **3:31**
